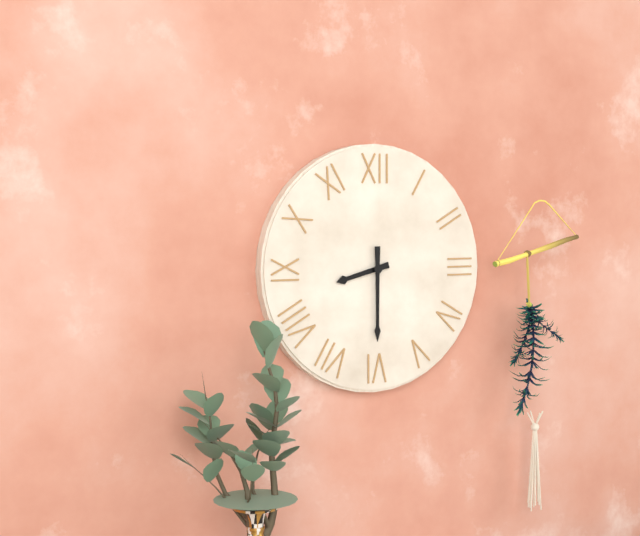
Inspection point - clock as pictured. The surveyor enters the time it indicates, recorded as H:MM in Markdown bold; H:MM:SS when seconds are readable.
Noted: **8:30**
